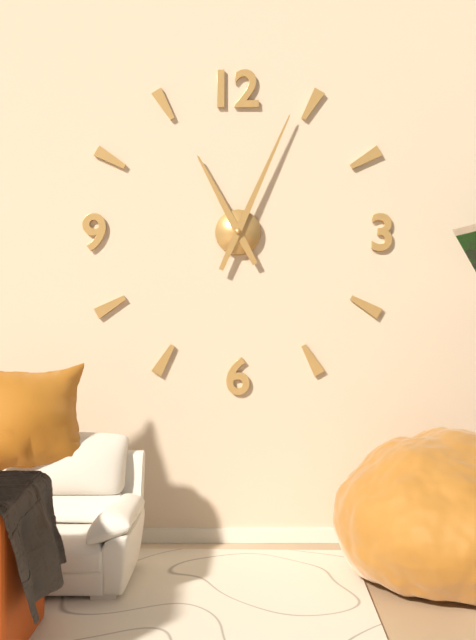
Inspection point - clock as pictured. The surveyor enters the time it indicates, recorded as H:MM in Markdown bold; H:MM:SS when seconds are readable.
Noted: **11:04**
